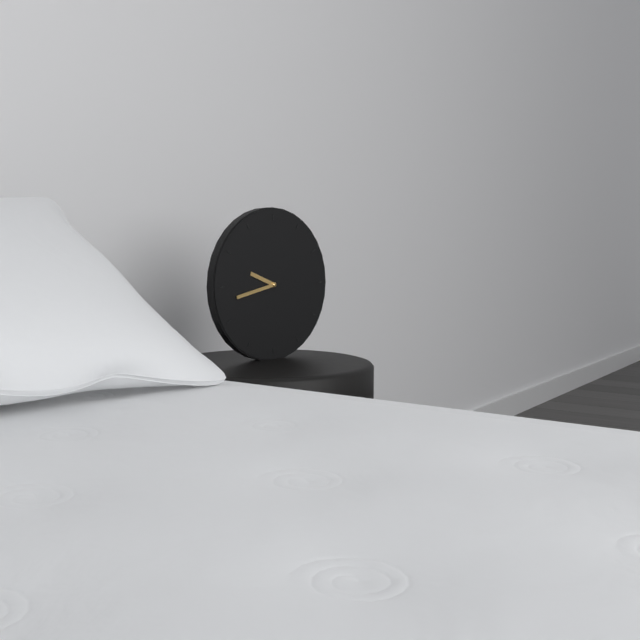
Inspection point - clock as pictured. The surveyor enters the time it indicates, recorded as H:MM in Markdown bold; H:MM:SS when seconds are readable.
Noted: **9:43**
